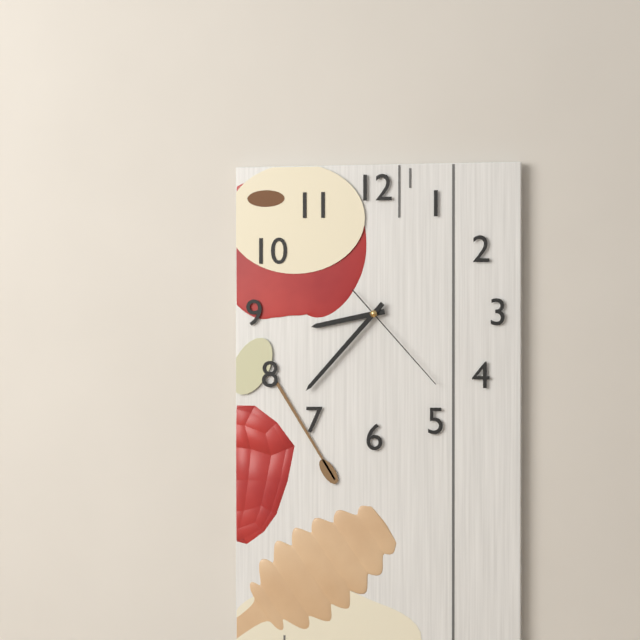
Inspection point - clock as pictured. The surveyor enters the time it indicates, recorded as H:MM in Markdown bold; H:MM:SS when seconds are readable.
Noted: **8:37:23**
